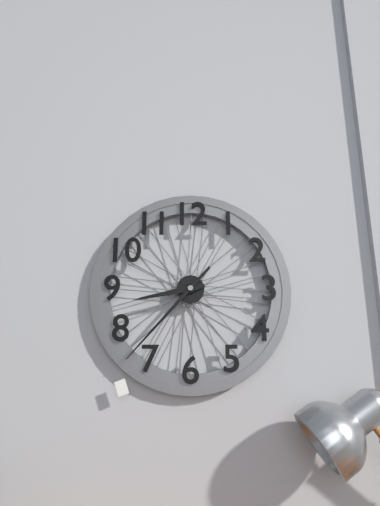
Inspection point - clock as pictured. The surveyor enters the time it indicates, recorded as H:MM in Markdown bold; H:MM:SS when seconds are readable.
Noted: **8:37**
